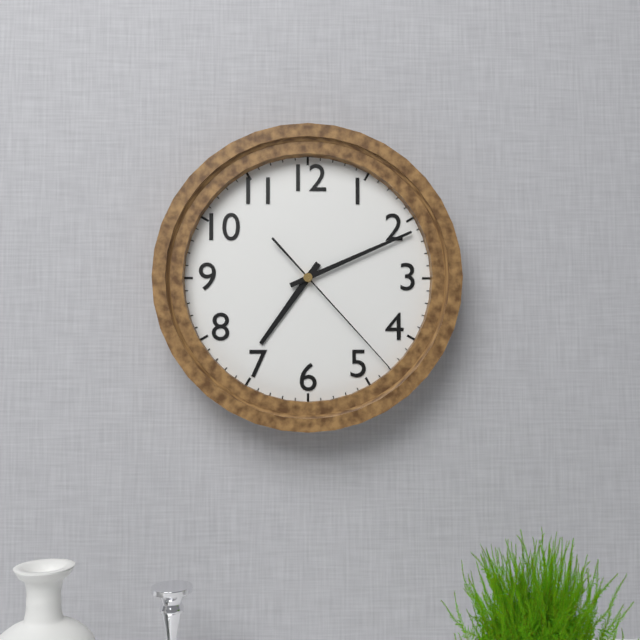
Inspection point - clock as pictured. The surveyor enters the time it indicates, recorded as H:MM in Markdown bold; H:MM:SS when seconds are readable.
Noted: **7:11:23**
